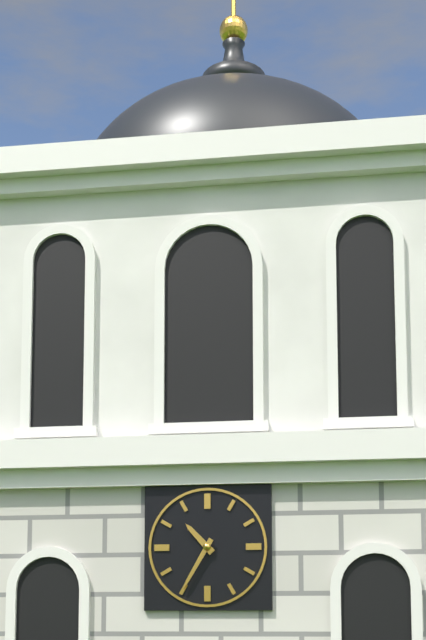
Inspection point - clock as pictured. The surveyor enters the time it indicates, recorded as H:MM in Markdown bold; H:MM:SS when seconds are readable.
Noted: **10:35**
